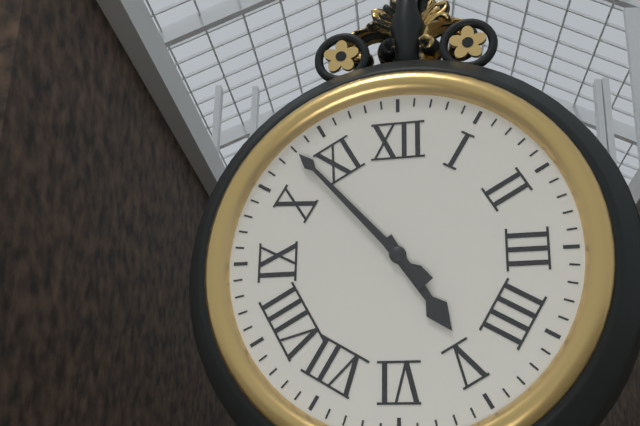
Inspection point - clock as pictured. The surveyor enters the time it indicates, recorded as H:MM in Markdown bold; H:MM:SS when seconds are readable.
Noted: **4:53**
